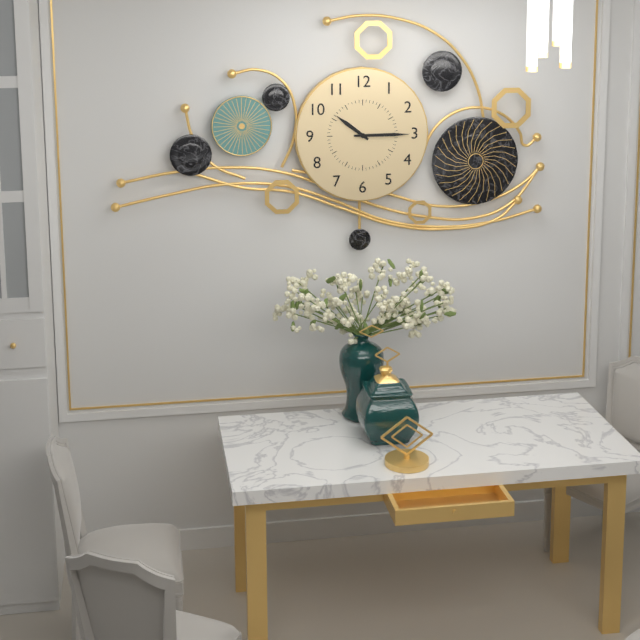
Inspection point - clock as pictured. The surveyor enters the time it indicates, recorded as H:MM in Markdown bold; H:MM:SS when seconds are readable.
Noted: **10:15**
